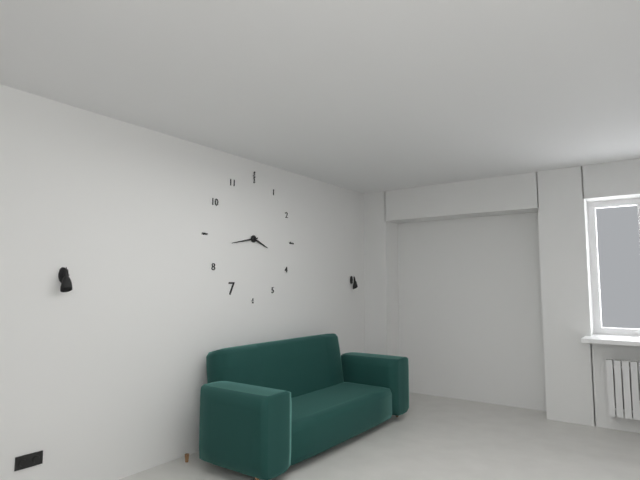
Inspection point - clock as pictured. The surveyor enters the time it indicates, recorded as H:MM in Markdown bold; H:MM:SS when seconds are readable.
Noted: **3:43**
